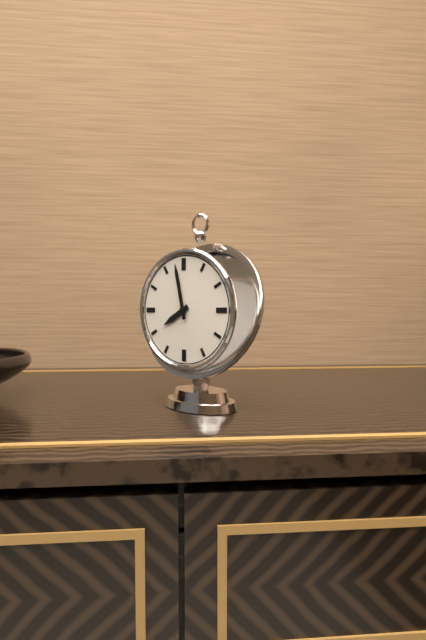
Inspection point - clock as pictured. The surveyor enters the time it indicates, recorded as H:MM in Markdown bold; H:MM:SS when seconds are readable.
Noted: **7:58**
